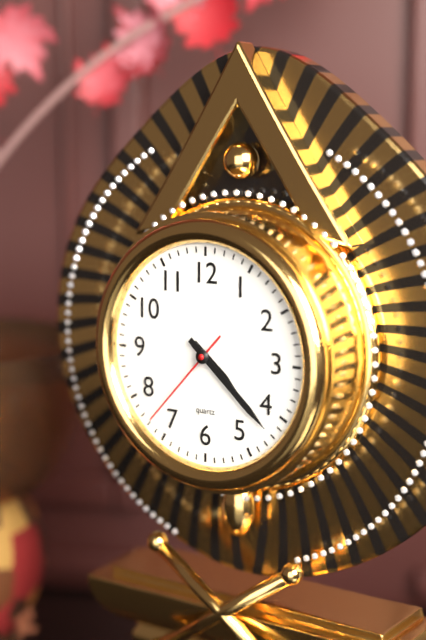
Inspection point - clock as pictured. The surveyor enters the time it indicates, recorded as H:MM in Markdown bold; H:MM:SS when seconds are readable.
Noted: **4:22:37**
